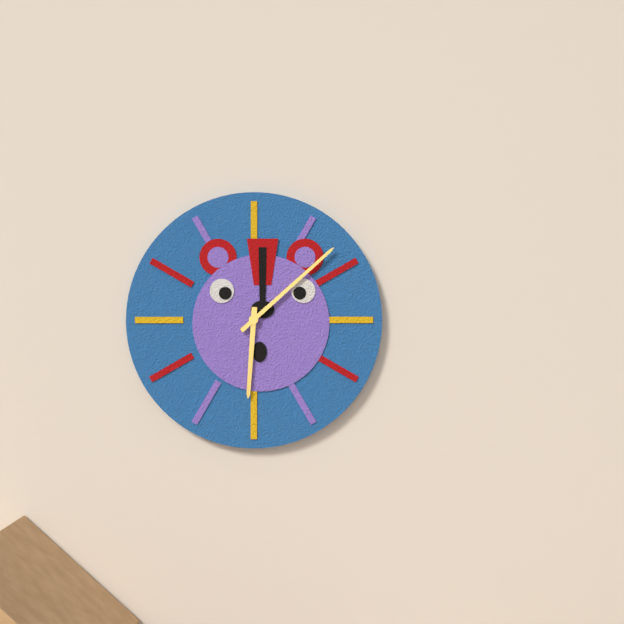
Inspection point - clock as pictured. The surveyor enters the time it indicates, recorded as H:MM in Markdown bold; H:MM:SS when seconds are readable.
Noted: **6:08**
